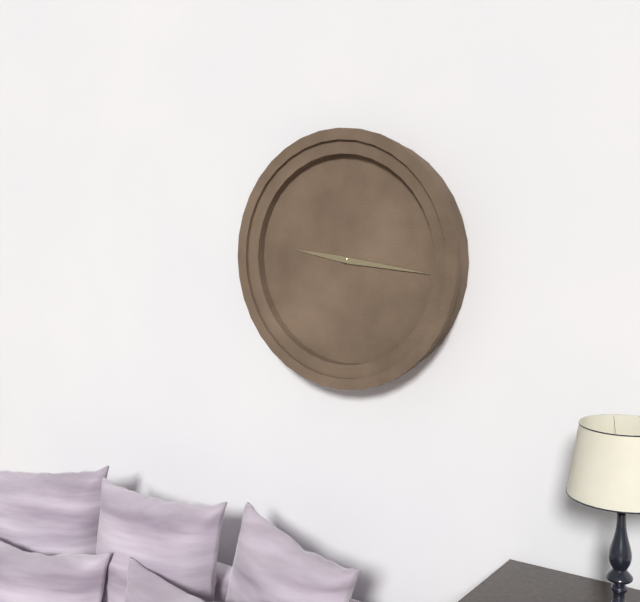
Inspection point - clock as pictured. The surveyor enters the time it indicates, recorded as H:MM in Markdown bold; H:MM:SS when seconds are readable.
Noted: **9:16**
